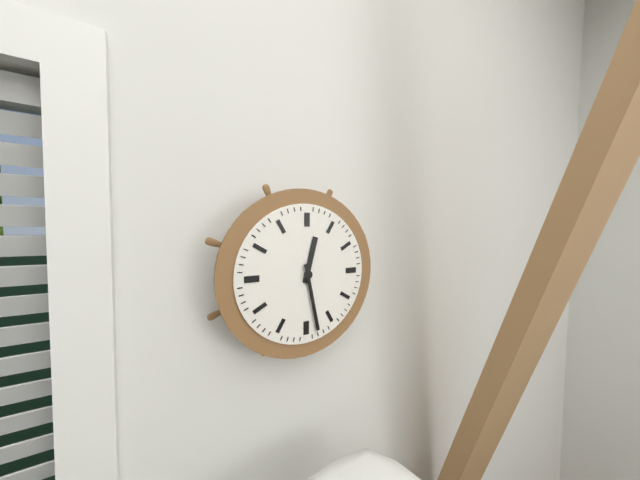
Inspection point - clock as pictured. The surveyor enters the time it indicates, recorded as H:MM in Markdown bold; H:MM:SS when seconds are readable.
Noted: **12:28**
